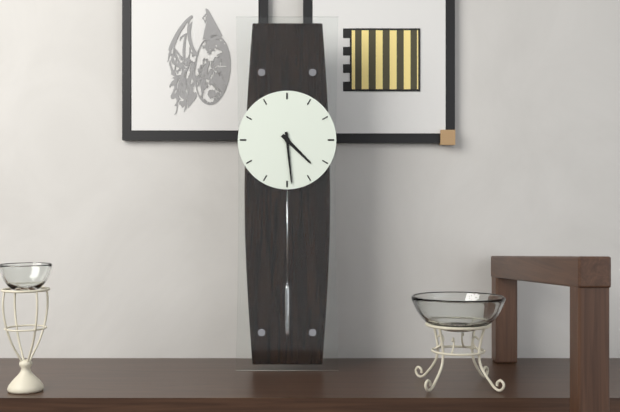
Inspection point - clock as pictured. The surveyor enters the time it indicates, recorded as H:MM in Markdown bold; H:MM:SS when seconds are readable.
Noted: **4:29**
